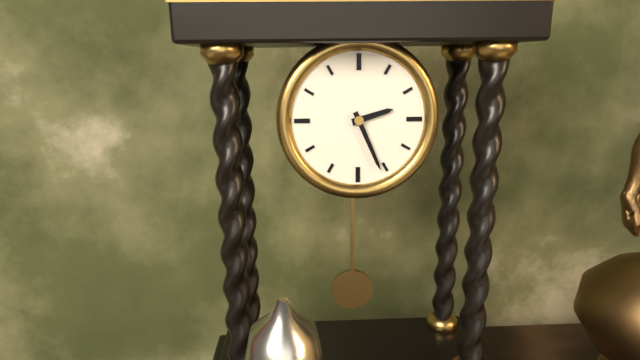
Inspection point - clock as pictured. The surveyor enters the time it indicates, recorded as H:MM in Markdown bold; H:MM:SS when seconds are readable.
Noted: **2:26**
